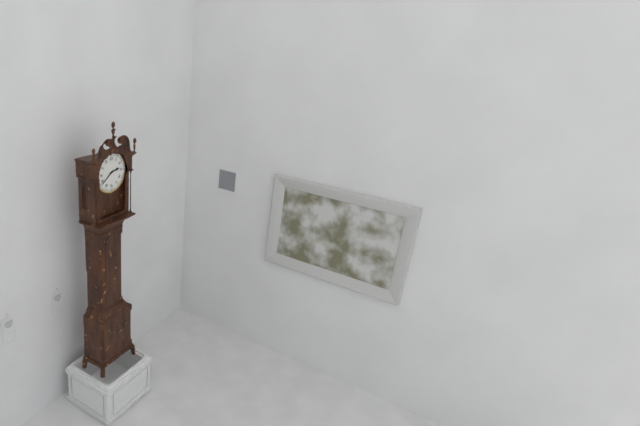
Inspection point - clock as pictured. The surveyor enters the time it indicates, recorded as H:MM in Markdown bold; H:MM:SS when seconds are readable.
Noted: **2:39**
